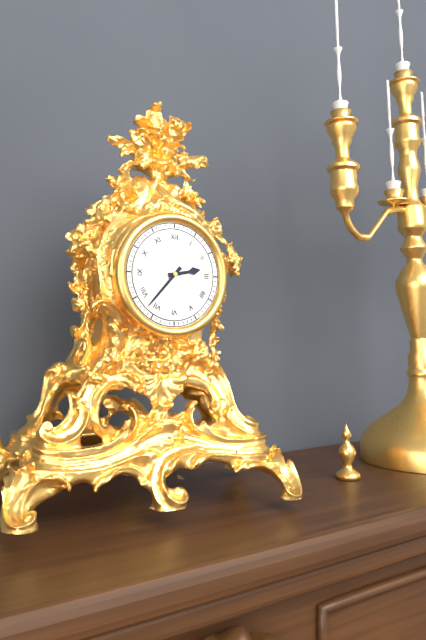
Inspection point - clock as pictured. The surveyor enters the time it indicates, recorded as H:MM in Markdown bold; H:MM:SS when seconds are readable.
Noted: **2:37**
